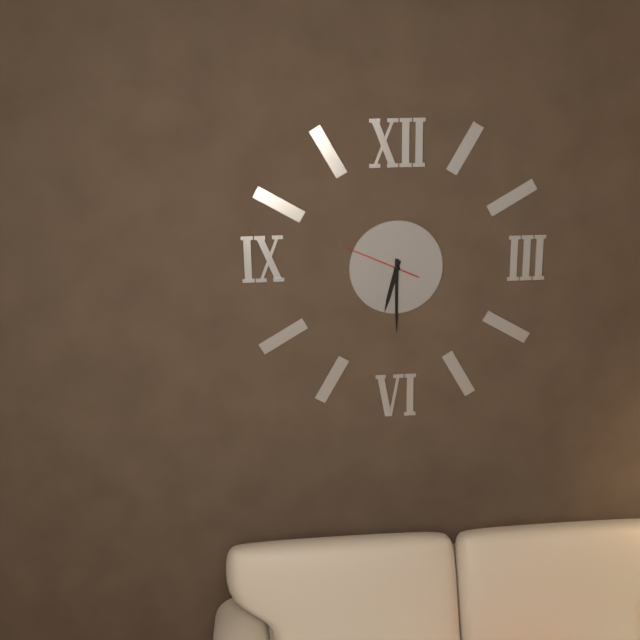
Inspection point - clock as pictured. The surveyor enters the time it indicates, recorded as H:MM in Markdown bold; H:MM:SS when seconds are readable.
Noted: **6:30:49**
